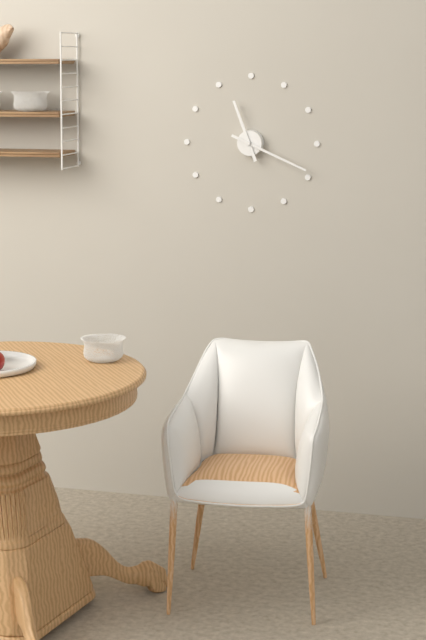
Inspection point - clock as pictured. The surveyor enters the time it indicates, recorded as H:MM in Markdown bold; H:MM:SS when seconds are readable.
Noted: **11:19**
